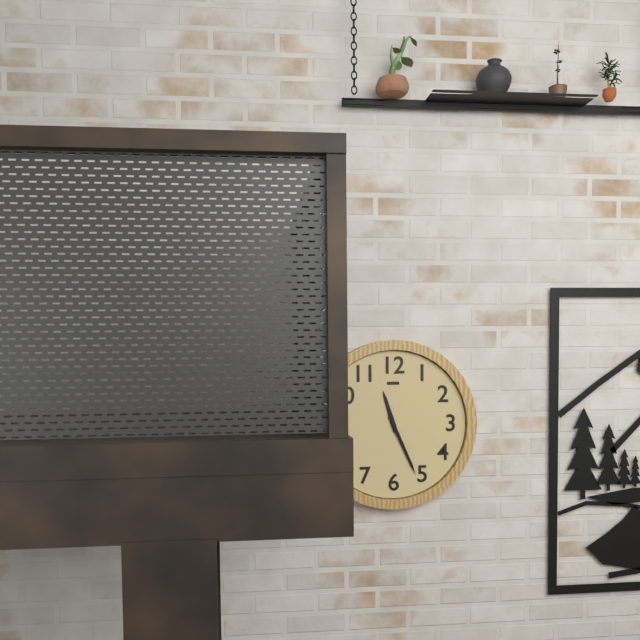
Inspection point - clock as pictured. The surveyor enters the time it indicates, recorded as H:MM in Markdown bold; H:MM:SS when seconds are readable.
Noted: **11:26**
